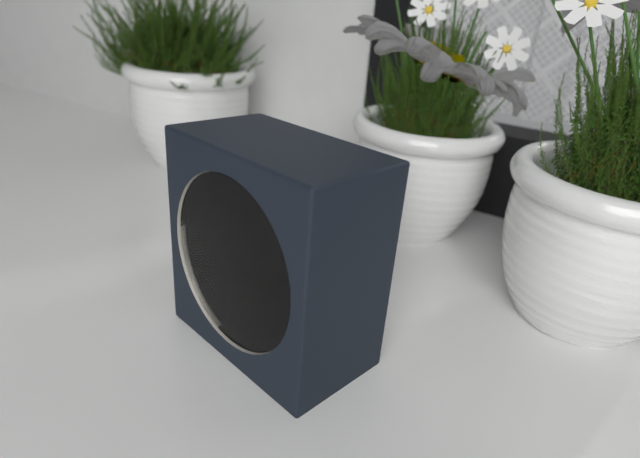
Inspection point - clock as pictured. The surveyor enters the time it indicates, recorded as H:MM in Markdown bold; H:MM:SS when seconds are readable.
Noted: **11:40:41**
